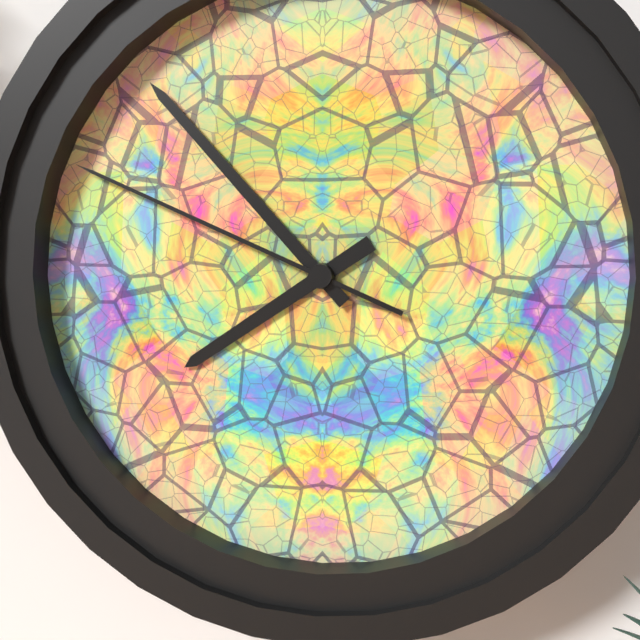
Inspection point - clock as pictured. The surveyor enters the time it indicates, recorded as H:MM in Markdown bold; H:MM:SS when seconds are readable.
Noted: **7:53:49**
